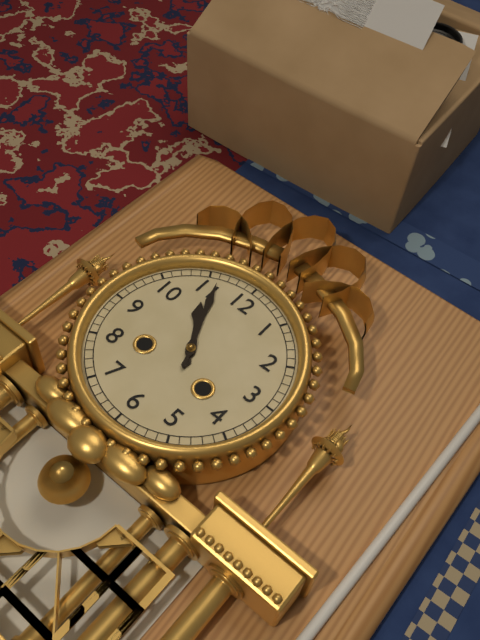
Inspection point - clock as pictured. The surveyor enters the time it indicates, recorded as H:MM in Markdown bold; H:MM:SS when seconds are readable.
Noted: **10:56**
